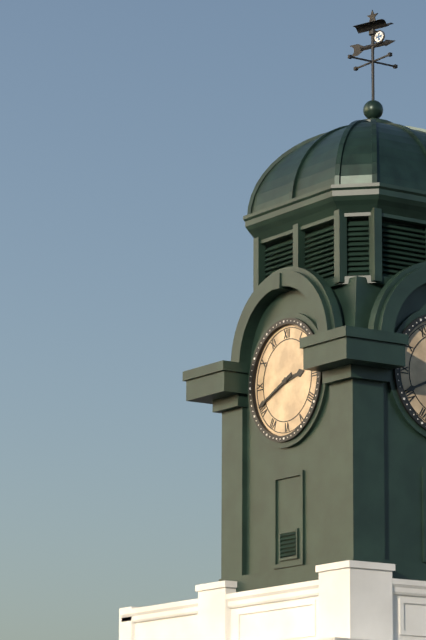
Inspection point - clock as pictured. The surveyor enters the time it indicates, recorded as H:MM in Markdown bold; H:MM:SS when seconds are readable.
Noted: **2:41**
